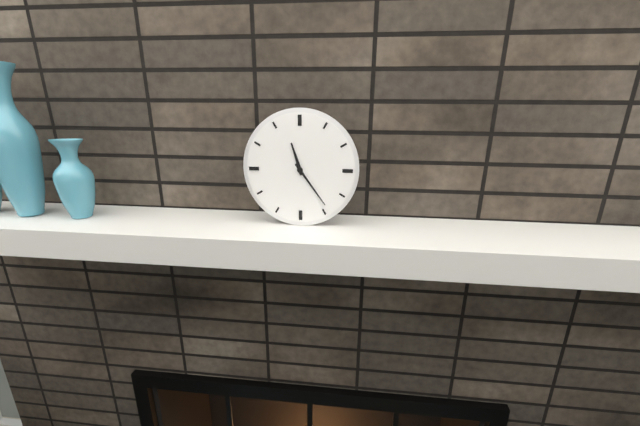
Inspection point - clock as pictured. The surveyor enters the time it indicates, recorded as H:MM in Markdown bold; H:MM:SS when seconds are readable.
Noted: **11:24**
